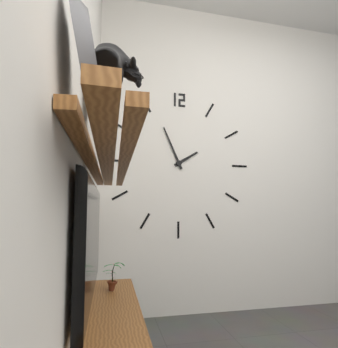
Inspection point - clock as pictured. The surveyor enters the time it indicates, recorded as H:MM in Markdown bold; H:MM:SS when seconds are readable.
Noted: **1:56**
